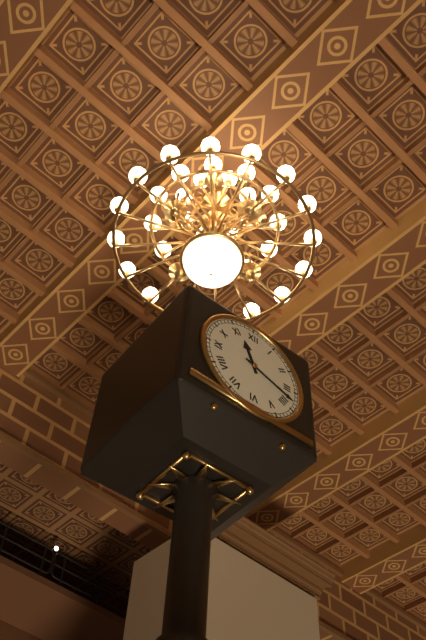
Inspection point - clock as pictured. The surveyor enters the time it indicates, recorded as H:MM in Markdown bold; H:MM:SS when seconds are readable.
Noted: **11:18**
